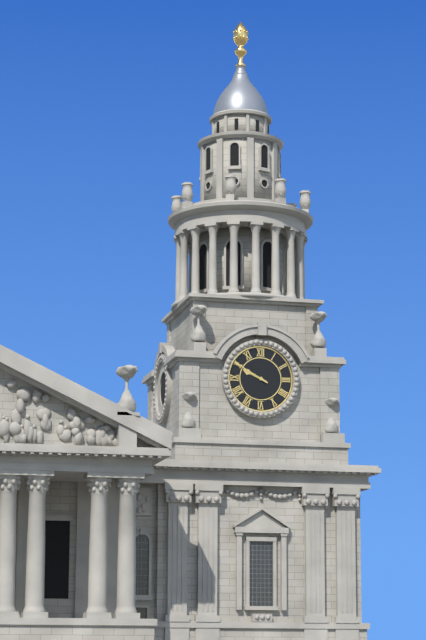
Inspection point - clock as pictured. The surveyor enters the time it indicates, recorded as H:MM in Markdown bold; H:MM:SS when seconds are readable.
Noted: **9:50**
